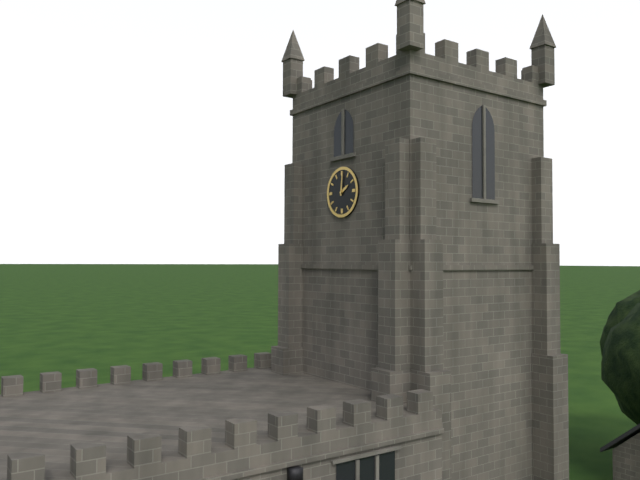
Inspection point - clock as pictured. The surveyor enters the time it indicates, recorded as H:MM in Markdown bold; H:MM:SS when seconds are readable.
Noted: **2:01**
